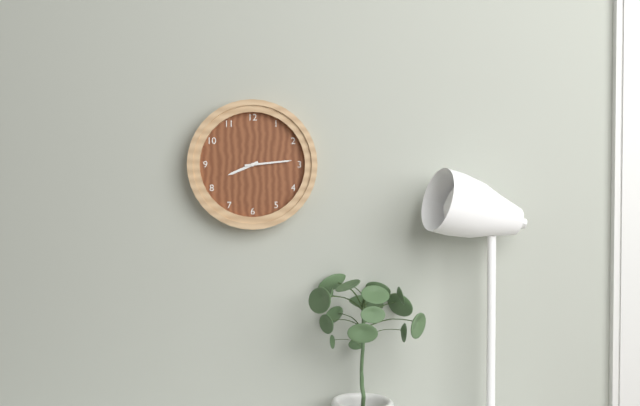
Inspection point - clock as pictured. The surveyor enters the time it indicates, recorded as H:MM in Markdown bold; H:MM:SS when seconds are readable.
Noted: **8:14**
